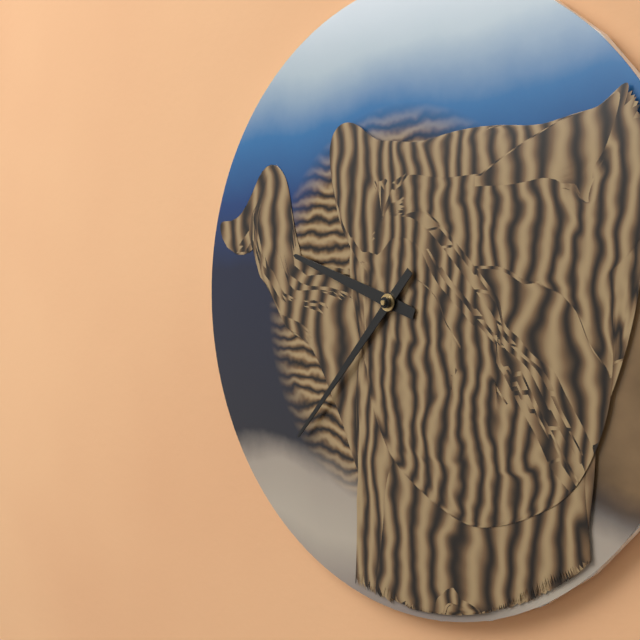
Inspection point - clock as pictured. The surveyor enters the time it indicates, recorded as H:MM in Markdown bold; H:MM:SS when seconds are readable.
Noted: **9:37**
